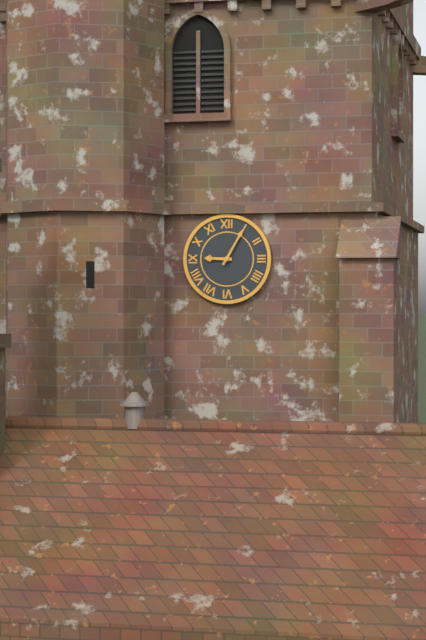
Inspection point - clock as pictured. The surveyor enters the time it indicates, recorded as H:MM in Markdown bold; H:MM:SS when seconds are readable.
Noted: **9:05**
